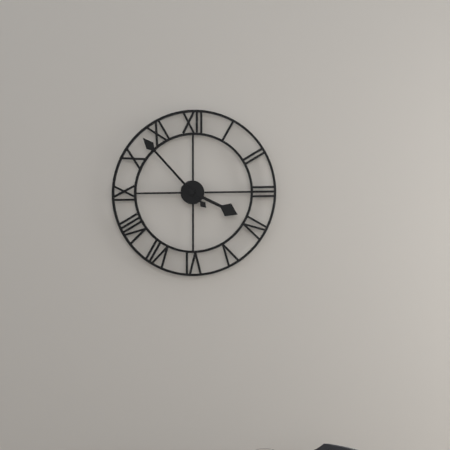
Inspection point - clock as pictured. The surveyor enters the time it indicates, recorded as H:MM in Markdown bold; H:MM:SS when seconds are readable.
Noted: **3:53**
